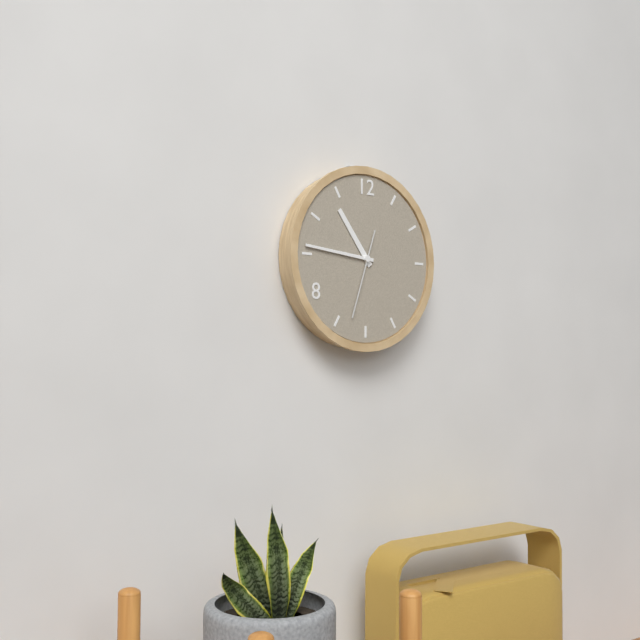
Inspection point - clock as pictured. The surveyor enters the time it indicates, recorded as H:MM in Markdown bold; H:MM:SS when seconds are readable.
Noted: **10:46:33**
